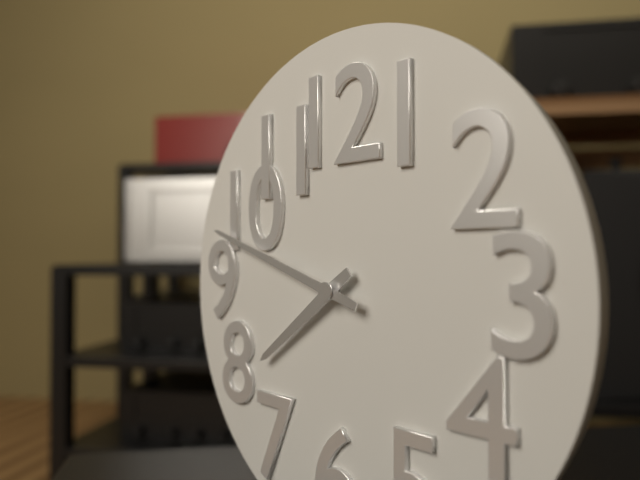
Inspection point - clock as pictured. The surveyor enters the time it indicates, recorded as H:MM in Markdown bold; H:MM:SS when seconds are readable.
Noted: **7:48**
